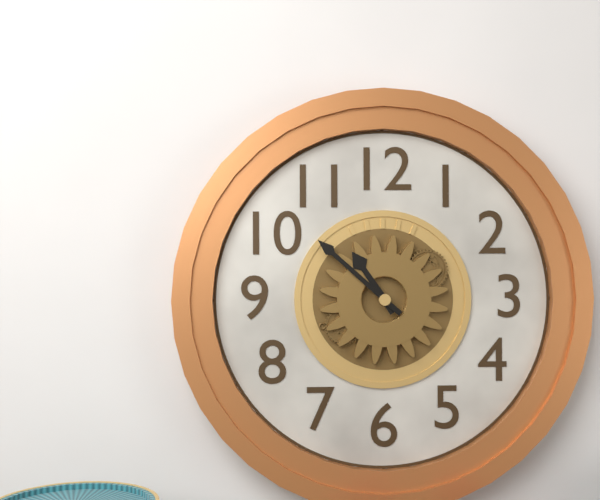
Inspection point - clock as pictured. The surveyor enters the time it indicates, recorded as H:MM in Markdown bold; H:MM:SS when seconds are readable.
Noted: **10:52**
